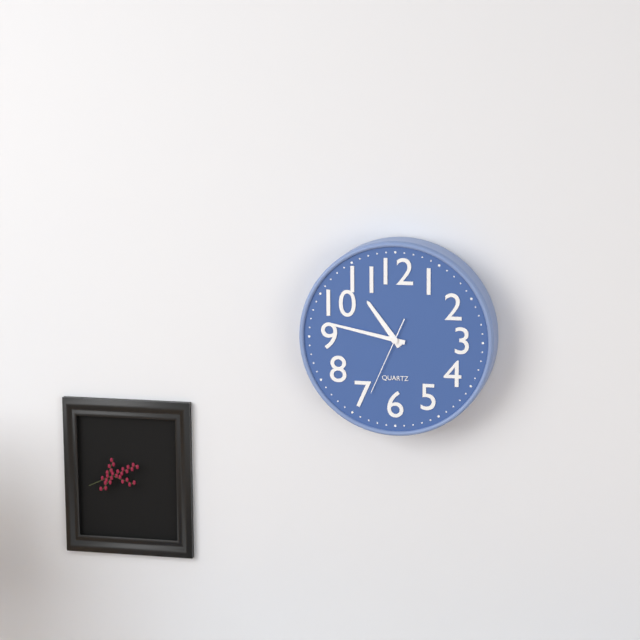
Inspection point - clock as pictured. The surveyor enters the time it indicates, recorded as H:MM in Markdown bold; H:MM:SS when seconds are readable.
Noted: **10:47:34**
